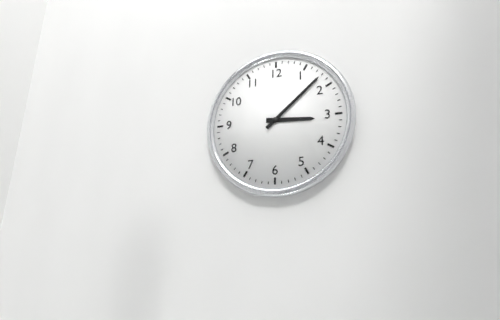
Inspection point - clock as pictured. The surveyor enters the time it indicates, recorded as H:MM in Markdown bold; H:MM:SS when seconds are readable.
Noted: **3:08**
